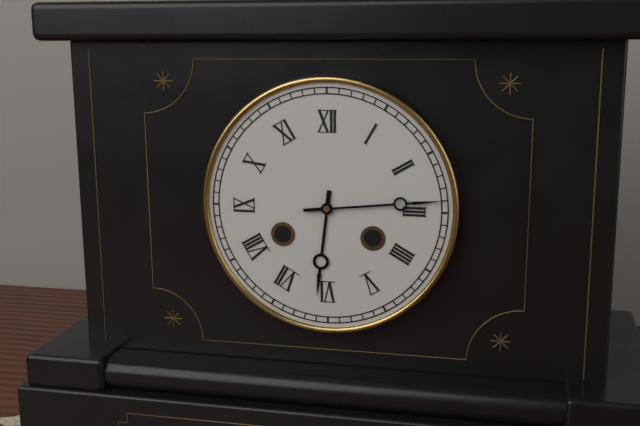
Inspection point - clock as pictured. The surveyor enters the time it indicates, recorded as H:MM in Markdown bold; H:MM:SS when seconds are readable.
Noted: **6:14**
